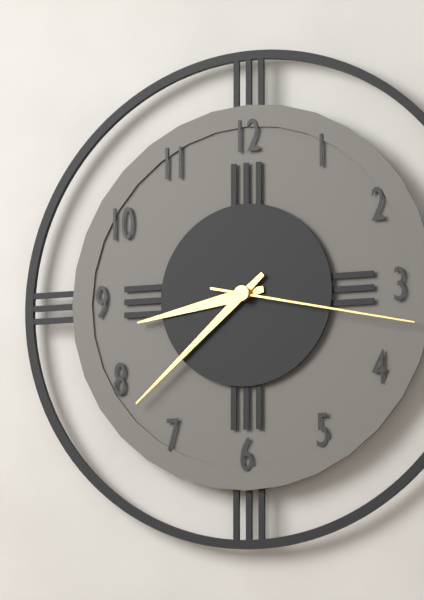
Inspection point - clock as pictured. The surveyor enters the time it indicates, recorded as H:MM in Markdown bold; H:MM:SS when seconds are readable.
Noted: **8:38:17**
